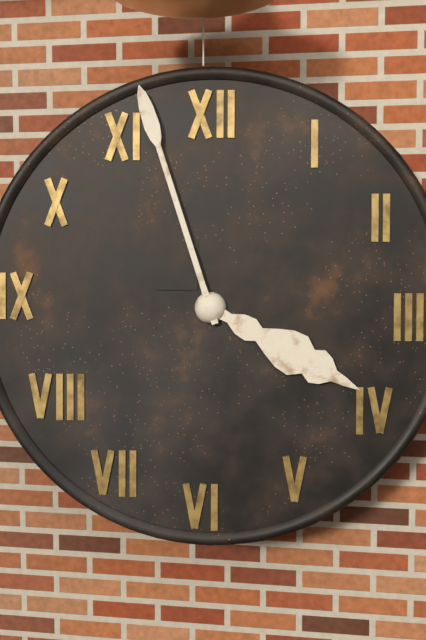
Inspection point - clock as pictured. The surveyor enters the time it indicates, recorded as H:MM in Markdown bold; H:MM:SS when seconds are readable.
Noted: **3:57**
